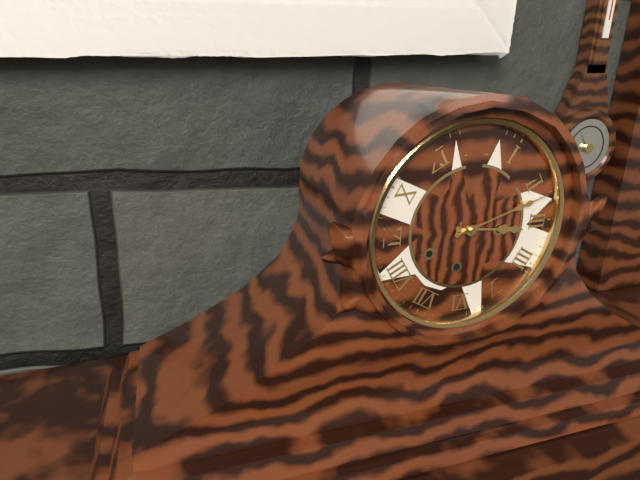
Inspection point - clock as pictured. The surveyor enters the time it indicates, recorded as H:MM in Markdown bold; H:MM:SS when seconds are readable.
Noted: **3:12**
